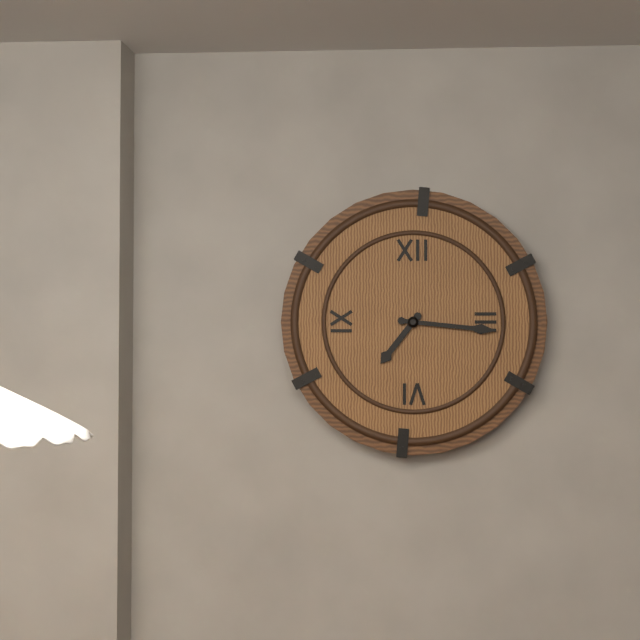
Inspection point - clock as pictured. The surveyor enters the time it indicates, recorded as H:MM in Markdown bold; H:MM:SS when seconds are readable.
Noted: **7:16**
